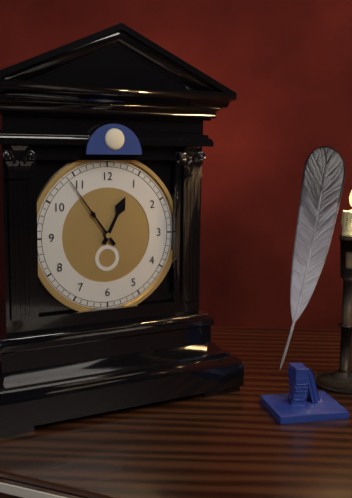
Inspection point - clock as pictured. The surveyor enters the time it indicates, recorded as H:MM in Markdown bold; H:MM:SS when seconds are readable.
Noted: **12:54**
